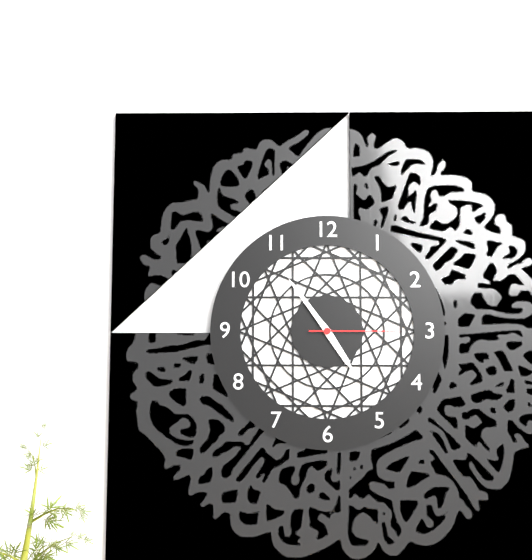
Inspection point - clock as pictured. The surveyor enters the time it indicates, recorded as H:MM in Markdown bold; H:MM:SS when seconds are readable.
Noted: **4:54:15**
